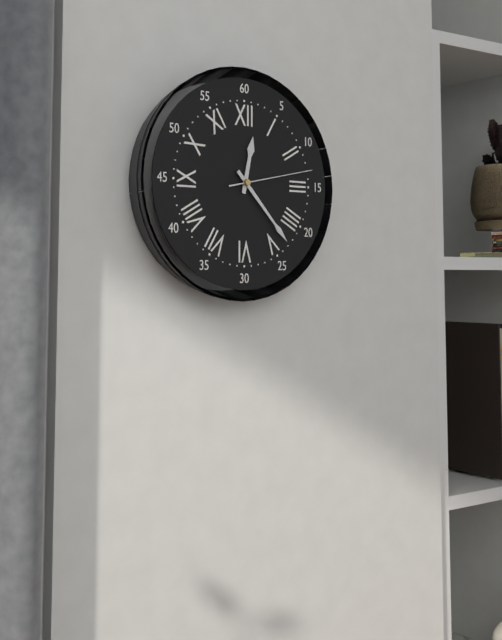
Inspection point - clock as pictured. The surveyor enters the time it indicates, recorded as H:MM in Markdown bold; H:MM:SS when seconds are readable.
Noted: **12:23:13**
